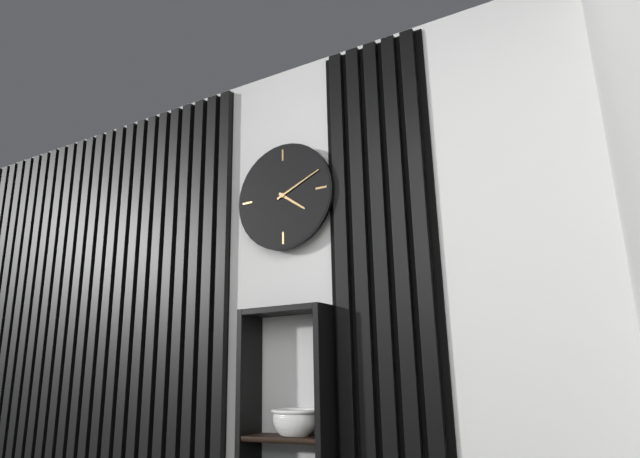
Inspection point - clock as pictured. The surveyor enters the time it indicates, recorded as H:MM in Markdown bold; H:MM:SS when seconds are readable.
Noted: **4:11**
